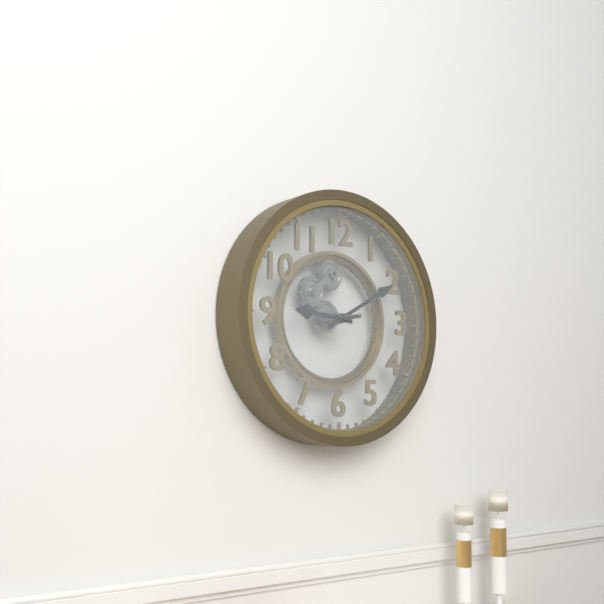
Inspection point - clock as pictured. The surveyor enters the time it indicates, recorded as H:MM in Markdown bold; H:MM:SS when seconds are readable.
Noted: **9:10**
